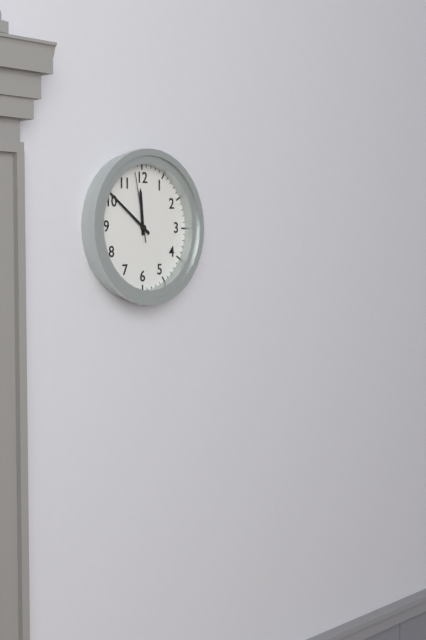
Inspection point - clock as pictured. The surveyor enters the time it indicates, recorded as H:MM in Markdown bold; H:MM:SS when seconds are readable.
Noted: **11:51:58**
